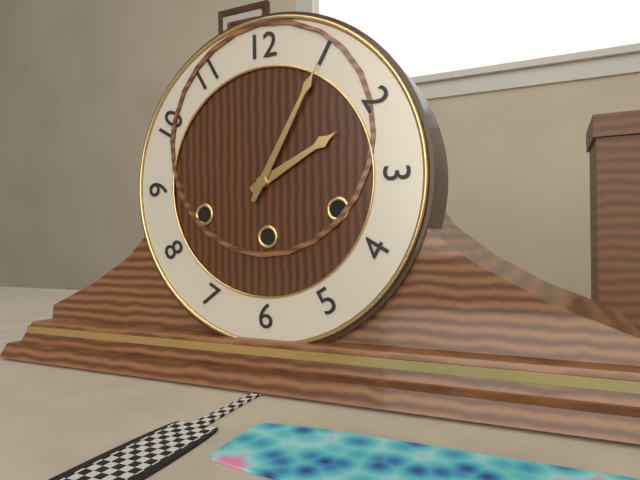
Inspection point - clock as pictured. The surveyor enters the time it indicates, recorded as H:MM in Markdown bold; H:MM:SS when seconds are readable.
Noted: **2:05**
